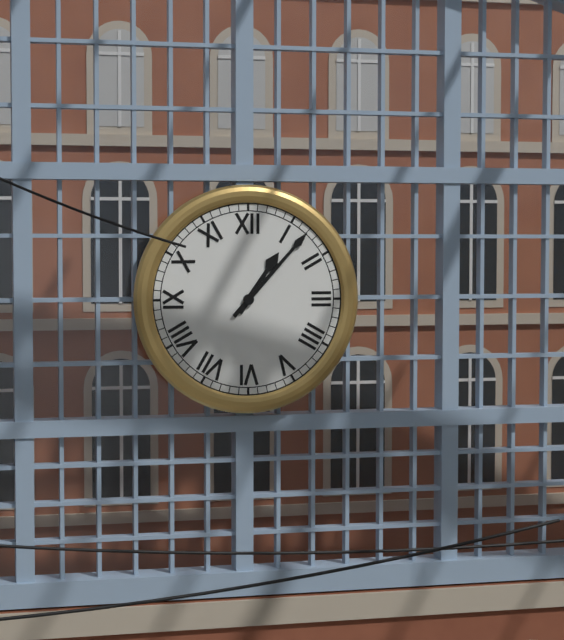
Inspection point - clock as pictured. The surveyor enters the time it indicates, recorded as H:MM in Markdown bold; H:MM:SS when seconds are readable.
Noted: **1:07**
